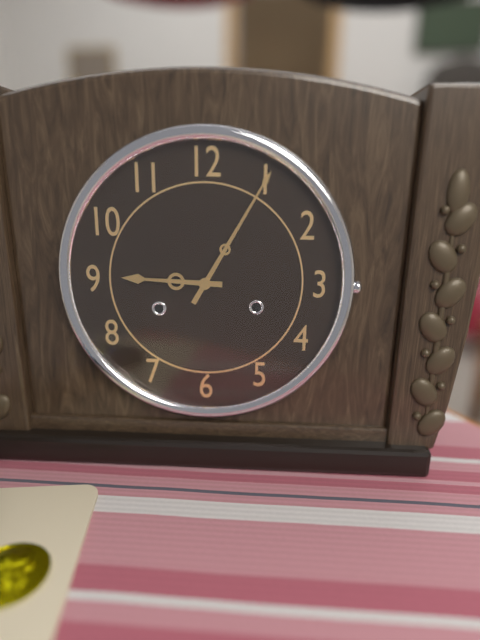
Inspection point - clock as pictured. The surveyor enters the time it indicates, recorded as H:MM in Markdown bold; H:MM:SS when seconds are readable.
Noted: **9:05**
